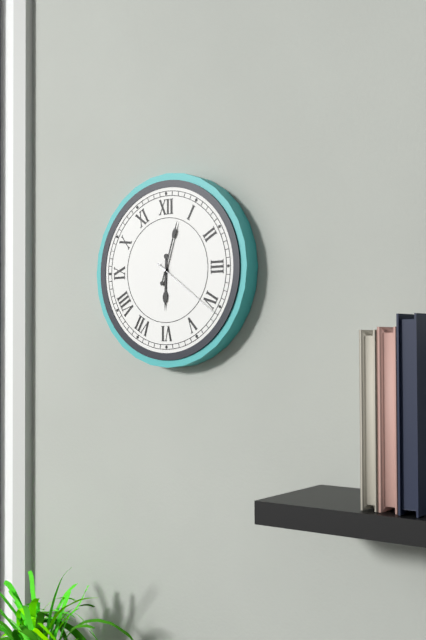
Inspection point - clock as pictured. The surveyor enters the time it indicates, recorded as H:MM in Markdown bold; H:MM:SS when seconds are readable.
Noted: **6:03:21**
